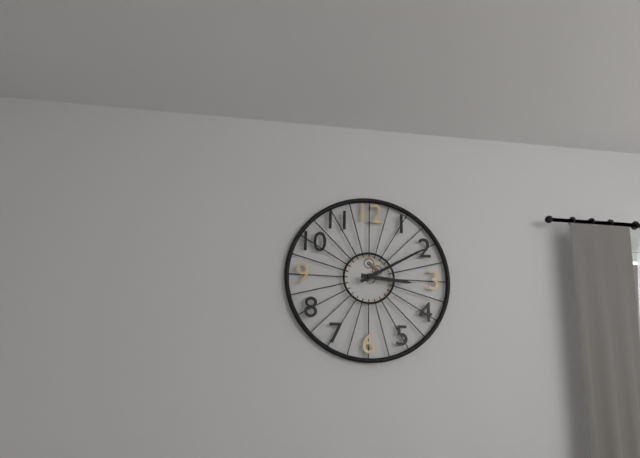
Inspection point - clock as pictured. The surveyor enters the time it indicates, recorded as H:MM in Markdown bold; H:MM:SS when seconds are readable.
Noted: **3:10**
